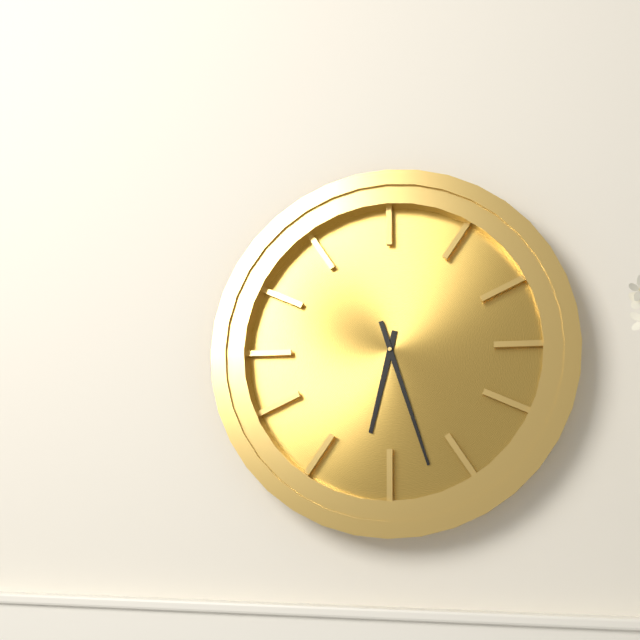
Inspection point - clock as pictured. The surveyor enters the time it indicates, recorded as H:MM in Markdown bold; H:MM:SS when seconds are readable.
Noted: **6:27**
